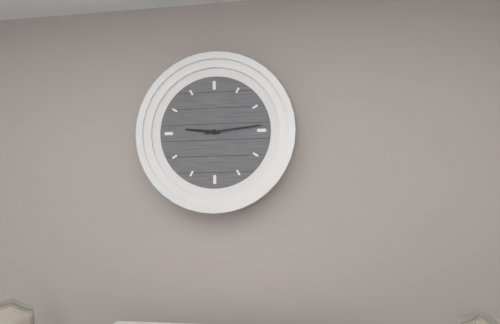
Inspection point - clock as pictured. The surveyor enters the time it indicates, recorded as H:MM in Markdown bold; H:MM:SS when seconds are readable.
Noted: **9:14**
